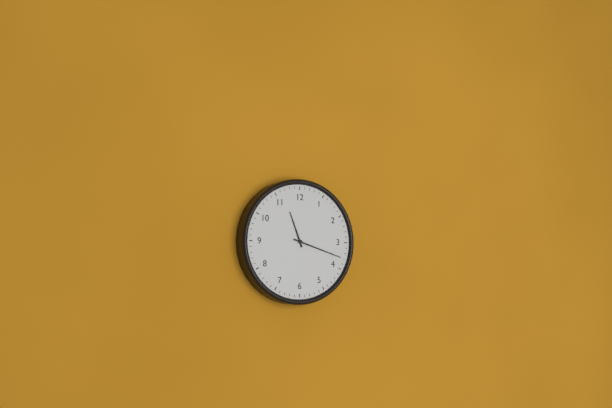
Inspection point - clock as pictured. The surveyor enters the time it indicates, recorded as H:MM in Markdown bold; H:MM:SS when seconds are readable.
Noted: **11:18**
